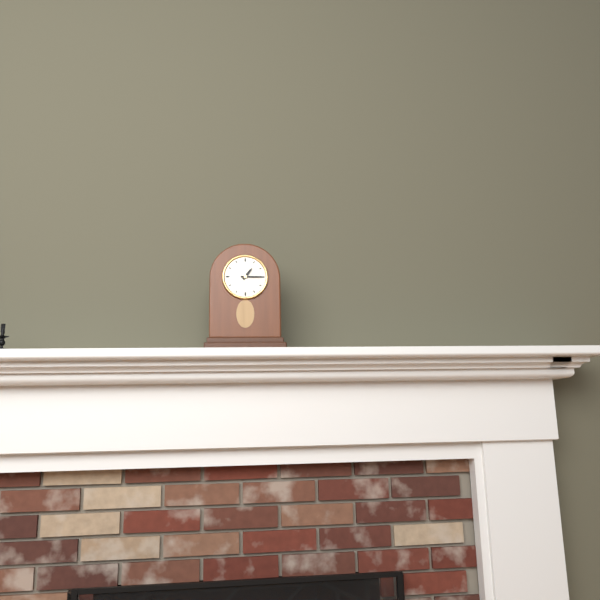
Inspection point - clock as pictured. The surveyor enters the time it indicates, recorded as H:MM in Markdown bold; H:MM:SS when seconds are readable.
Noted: **1:15**
